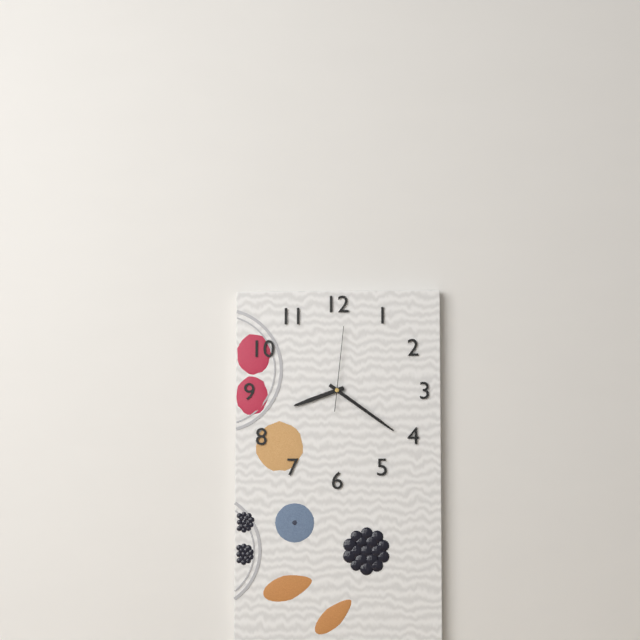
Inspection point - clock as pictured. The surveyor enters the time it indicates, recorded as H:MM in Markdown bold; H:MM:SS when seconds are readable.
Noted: **8:21:01**
